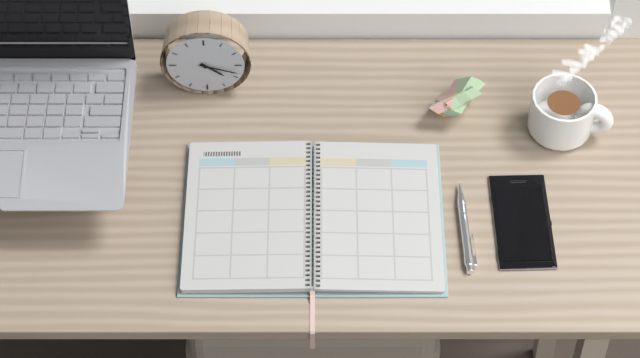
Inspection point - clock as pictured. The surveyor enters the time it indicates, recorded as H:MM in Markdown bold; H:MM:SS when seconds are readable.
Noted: **4:18**
